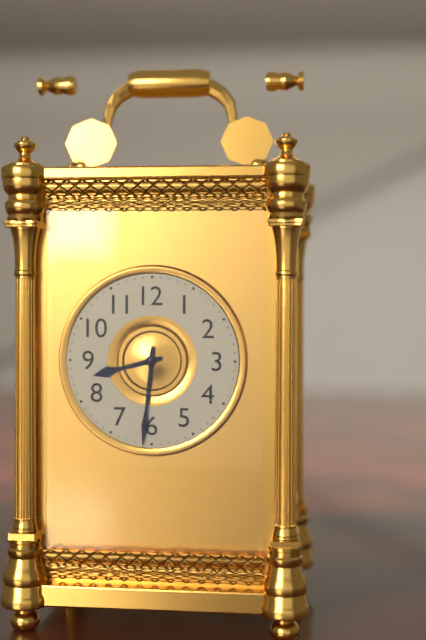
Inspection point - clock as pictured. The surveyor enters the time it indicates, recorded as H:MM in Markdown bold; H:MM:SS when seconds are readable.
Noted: **8:31**
